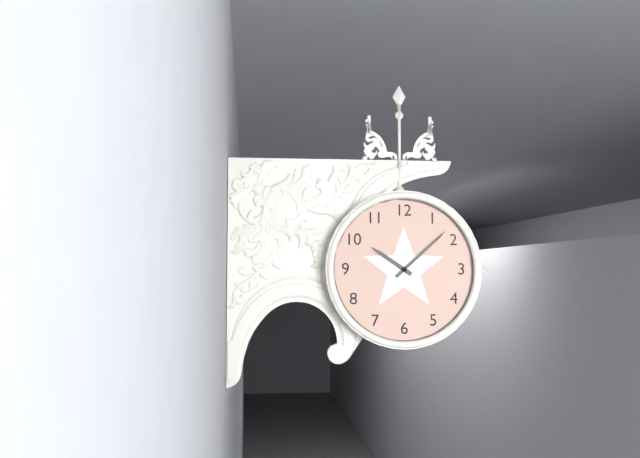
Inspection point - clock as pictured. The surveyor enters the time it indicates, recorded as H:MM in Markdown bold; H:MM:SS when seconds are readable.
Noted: **10:08**
